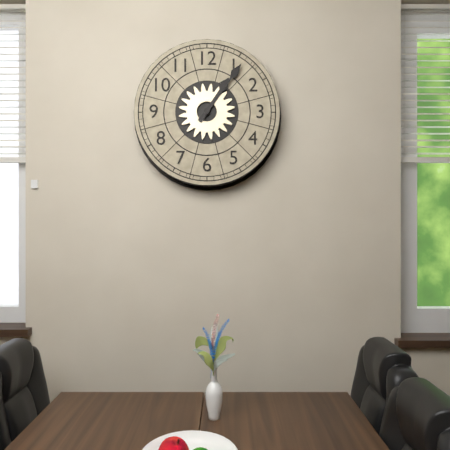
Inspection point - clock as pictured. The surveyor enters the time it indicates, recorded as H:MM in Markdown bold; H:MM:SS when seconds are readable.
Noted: **1:06**
